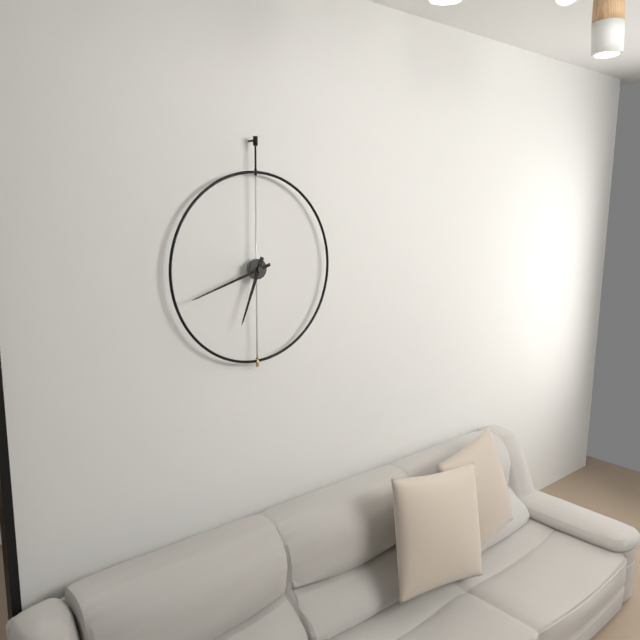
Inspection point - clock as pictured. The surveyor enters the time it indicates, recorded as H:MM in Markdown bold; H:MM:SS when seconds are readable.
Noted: **6:42**
